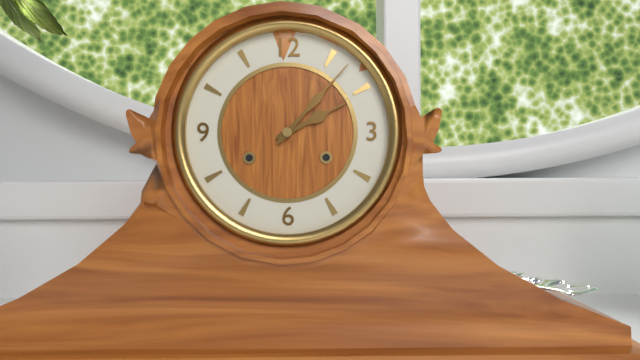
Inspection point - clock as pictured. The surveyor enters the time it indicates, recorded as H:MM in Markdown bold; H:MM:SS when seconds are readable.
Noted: **2:07**
